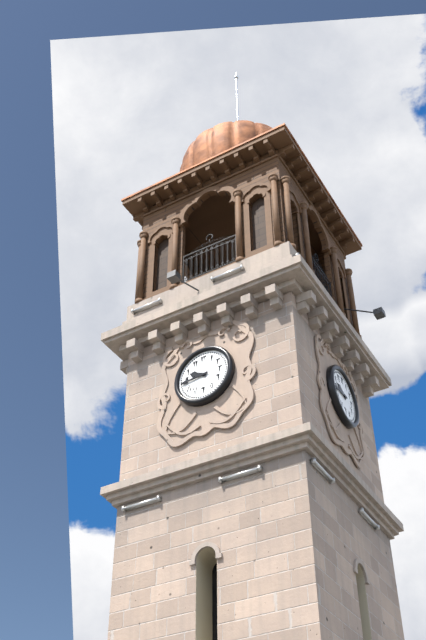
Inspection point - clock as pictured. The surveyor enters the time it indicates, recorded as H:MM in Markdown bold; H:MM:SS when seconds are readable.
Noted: **9:44**
